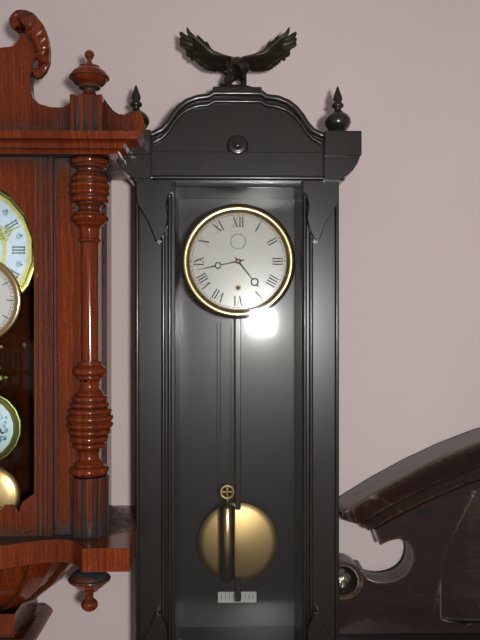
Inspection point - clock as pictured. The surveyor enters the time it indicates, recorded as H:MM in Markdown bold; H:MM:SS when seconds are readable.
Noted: **4:43**
